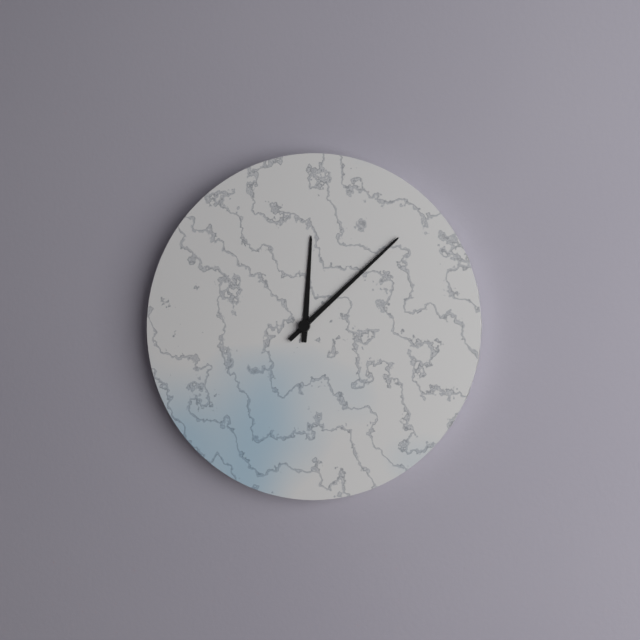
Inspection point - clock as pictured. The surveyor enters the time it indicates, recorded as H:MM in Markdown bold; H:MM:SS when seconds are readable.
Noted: **12:08**
